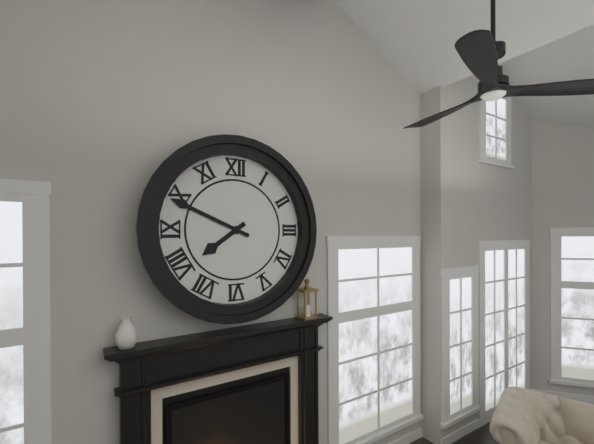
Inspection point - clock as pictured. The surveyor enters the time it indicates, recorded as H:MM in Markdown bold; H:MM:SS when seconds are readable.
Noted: **7:49**
